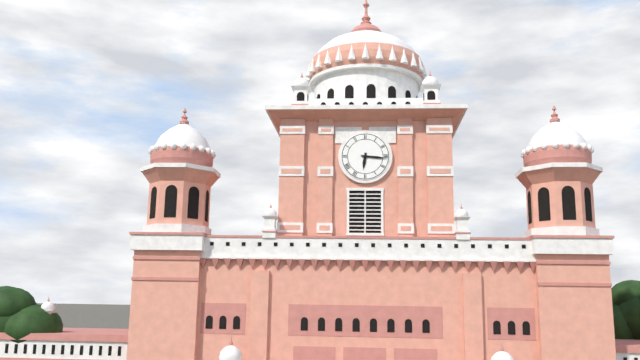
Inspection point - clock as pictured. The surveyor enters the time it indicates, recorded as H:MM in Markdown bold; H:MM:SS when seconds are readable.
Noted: **6:16**
